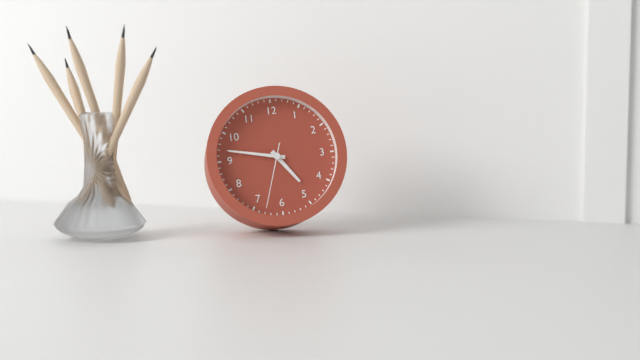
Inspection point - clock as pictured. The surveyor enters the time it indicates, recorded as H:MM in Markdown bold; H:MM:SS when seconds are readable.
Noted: **4:47:33**
